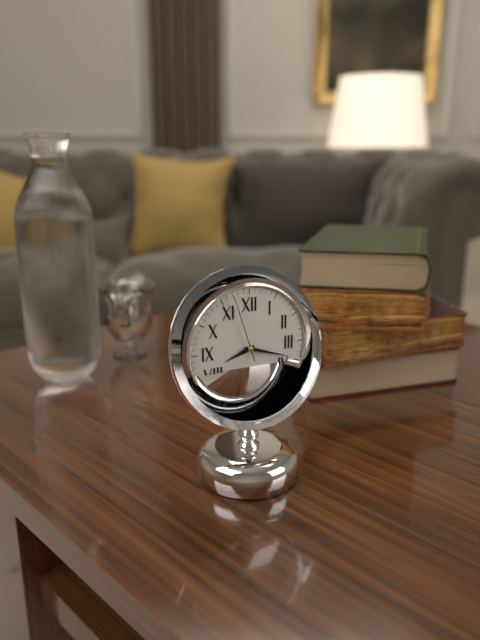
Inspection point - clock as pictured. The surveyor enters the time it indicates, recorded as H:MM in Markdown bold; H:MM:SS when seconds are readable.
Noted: **8:18:57**
